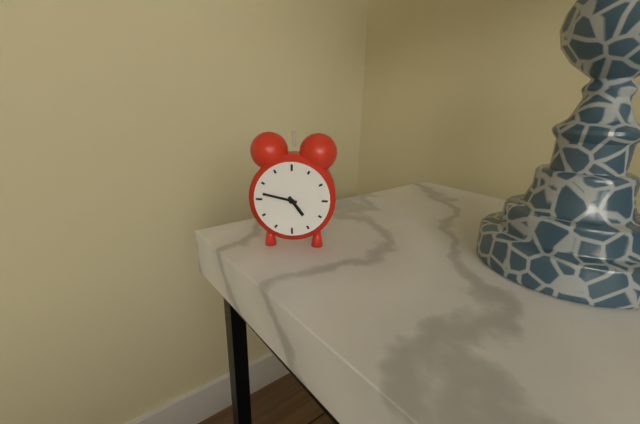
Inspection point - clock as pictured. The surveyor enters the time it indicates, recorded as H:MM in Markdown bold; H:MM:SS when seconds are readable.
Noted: **4:47**
